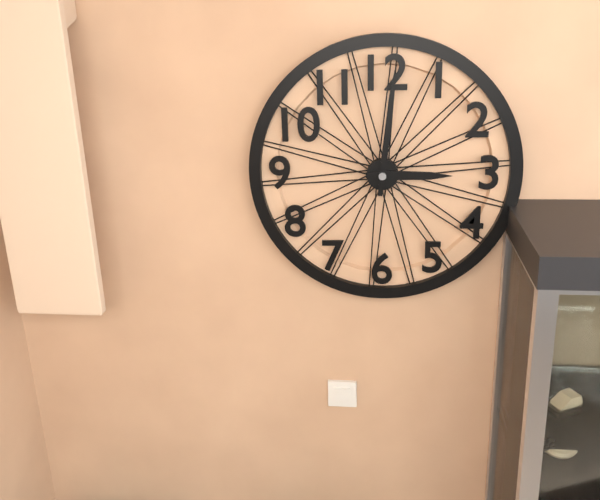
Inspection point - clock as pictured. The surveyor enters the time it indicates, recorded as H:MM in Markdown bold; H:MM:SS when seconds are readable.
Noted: **3:01**
